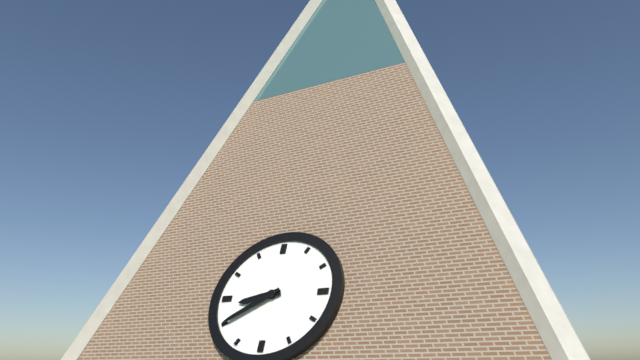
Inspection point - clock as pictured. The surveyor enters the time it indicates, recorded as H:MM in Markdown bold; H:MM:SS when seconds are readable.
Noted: **8:40**
